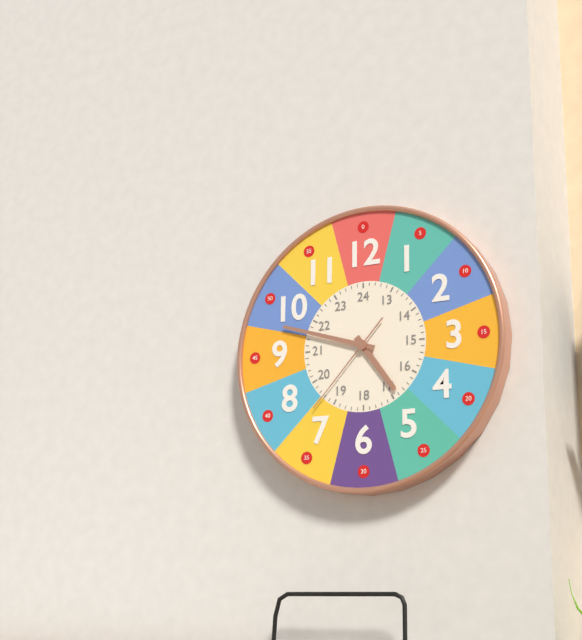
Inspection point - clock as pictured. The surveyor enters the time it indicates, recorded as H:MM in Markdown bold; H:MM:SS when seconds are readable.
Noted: **4:48:37**
